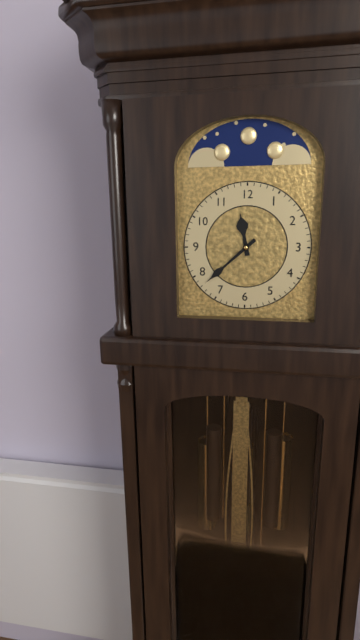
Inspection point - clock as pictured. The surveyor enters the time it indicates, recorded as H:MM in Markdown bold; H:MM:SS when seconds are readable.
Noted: **11:38**
